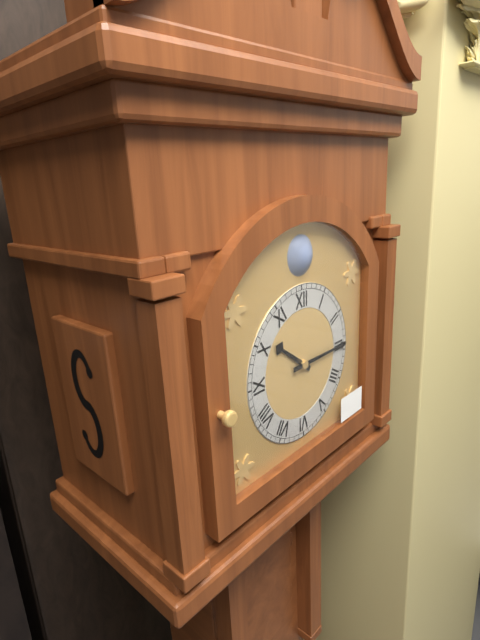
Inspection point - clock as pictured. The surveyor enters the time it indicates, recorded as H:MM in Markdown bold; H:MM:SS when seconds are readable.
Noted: **10:15**
